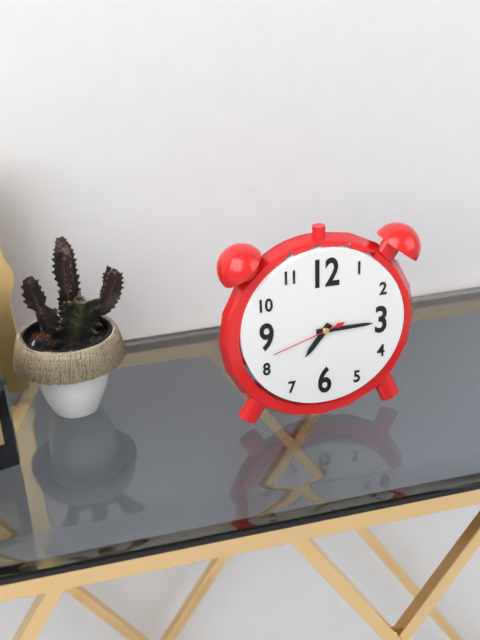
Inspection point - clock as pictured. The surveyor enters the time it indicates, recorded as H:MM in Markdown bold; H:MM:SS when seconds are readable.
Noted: **7:15:42**
